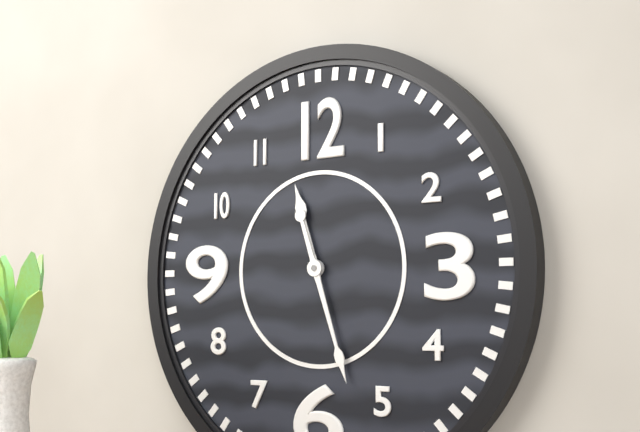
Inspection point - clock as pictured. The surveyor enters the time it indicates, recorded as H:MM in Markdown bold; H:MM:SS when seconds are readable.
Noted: **11:27**
